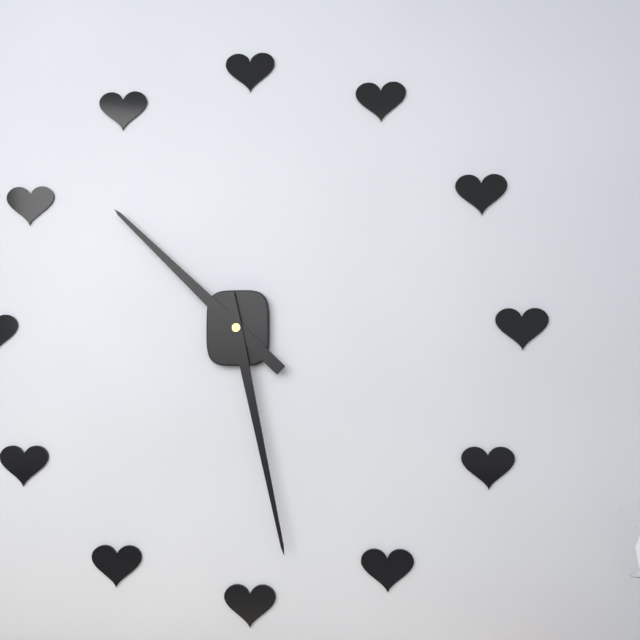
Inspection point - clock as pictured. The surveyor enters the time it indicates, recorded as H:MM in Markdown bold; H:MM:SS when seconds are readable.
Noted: **10:28**
